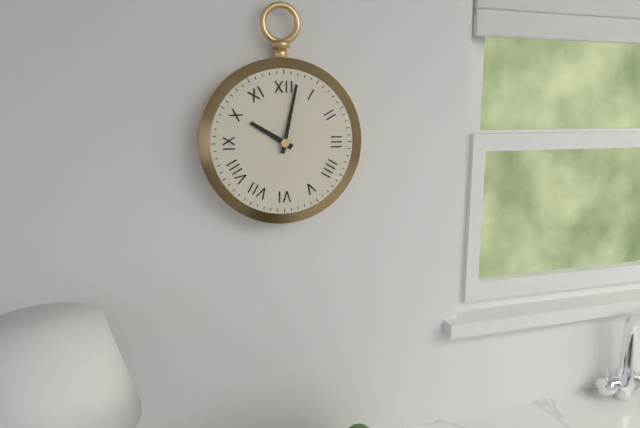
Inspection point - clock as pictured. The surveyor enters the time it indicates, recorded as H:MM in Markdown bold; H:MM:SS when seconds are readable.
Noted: **10:02**
